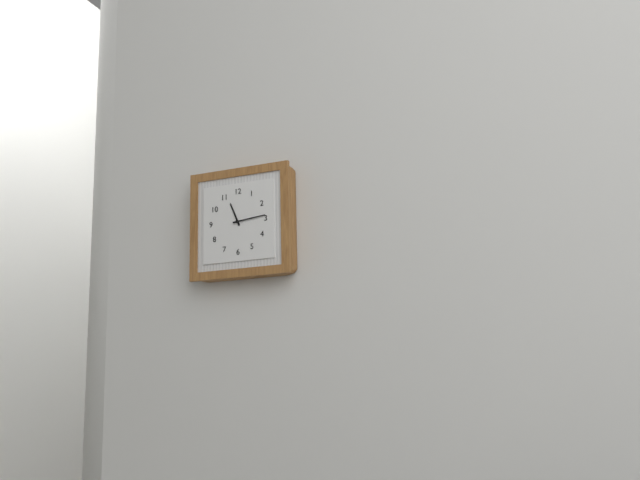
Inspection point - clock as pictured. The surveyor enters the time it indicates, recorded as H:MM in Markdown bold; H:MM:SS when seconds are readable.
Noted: **11:14**
